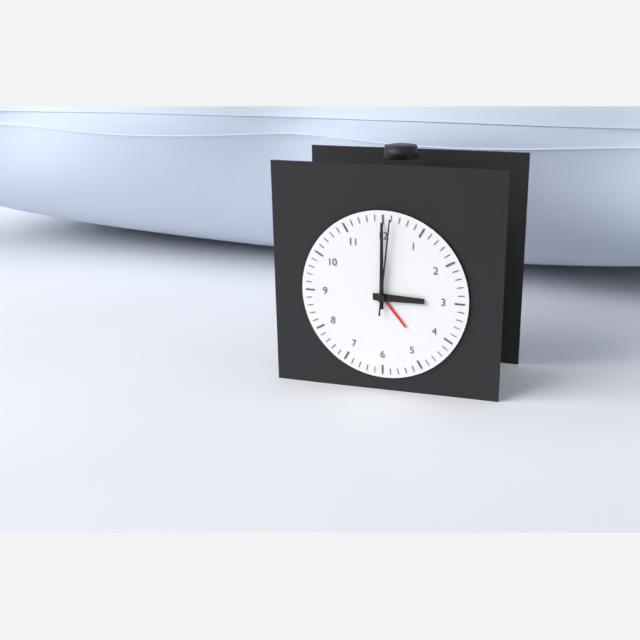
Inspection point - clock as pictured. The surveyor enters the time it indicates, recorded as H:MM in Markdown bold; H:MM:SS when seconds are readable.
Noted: **3:00:01**
